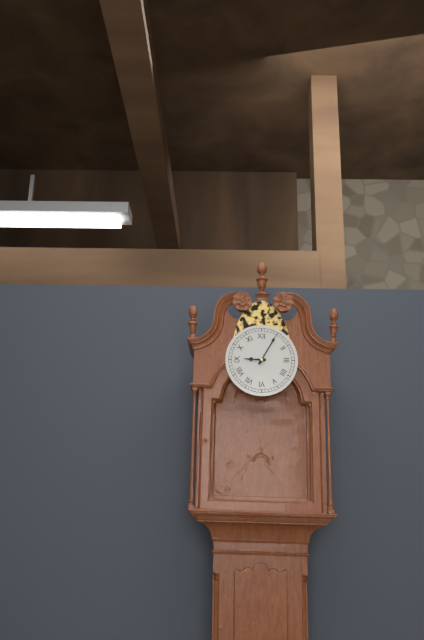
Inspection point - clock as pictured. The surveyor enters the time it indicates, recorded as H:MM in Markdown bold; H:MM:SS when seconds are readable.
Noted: **9:05**
